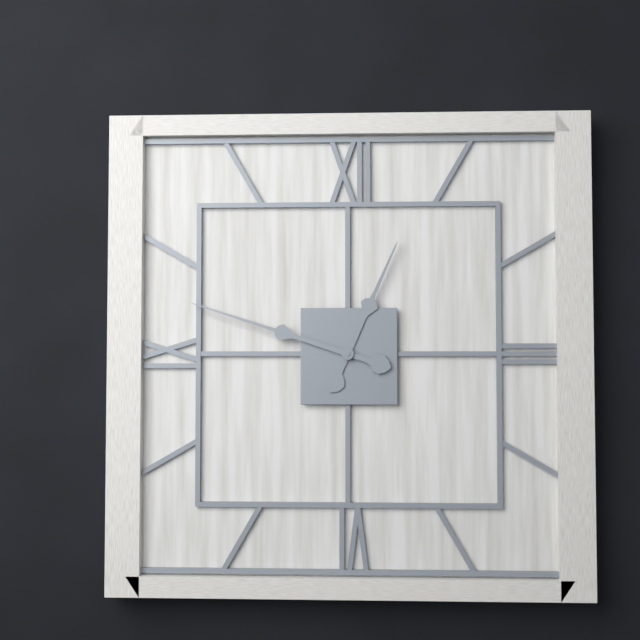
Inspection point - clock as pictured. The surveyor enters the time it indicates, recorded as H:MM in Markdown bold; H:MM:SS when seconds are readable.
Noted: **12:48**
